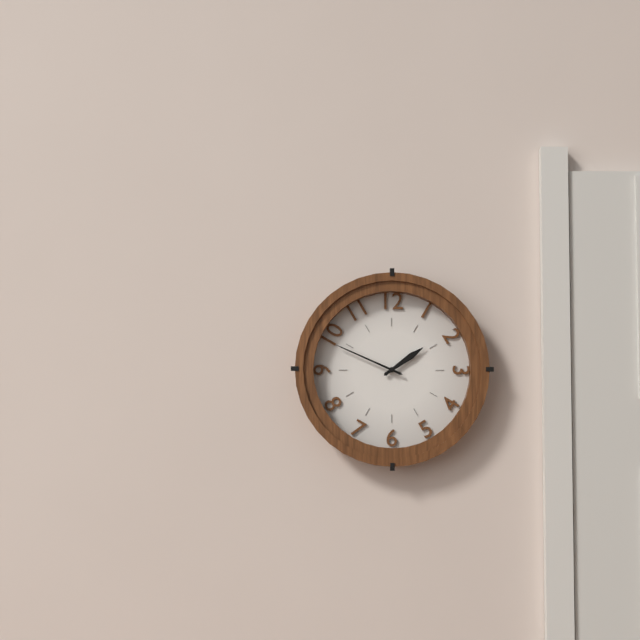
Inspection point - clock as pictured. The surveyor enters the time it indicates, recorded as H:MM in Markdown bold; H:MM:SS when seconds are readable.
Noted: **1:49**
